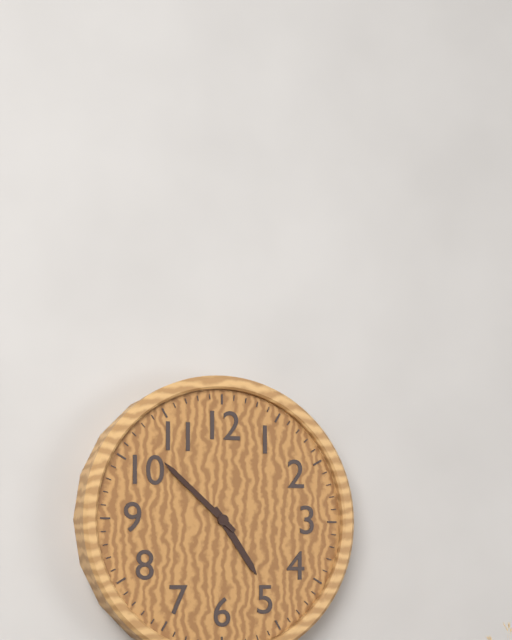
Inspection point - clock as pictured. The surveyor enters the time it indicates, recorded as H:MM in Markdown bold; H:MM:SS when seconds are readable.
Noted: **4:52**
